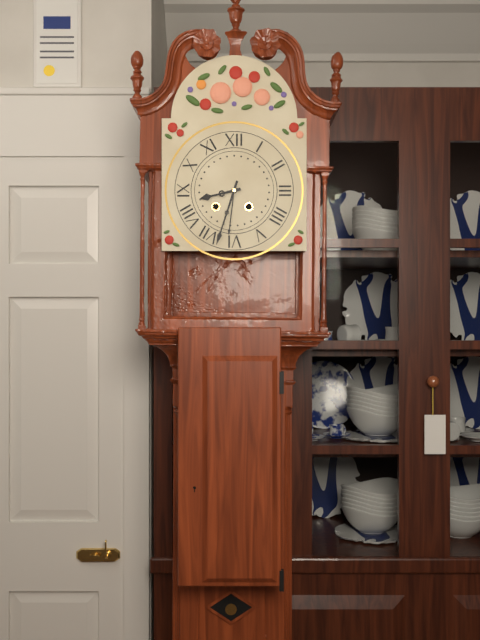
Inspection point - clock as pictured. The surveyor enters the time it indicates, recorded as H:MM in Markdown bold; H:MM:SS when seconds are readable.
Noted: **8:33**
